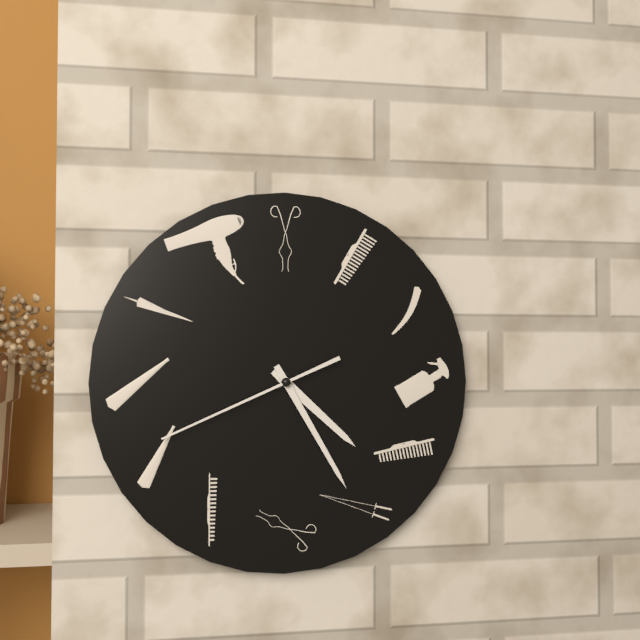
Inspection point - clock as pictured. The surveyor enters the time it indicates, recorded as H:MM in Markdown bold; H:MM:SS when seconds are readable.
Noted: **4:25:41**
